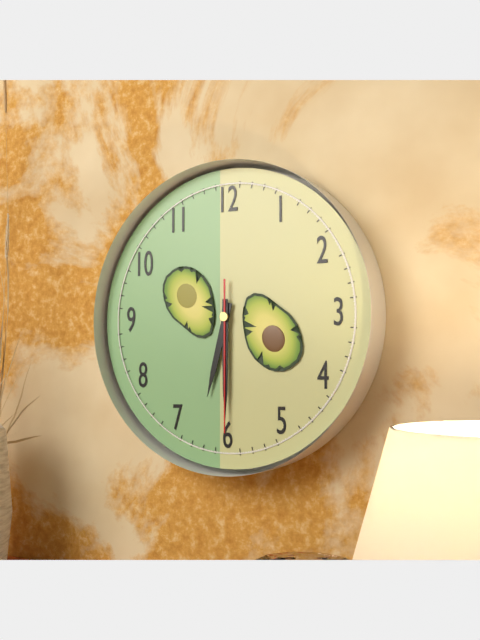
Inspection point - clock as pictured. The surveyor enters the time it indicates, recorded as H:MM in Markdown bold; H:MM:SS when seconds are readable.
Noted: **6:30:30**
